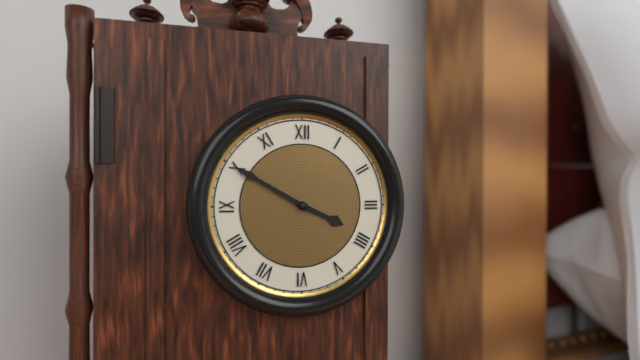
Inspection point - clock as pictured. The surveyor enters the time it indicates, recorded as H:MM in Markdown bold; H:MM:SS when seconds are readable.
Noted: **3:50**
